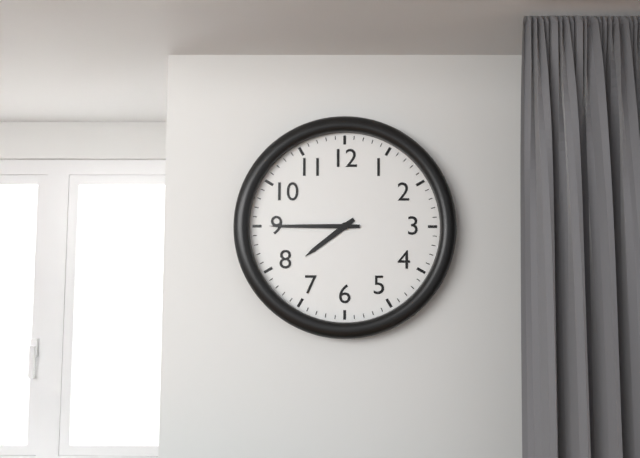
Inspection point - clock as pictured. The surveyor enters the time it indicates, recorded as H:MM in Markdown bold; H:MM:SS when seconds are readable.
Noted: **7:45**
